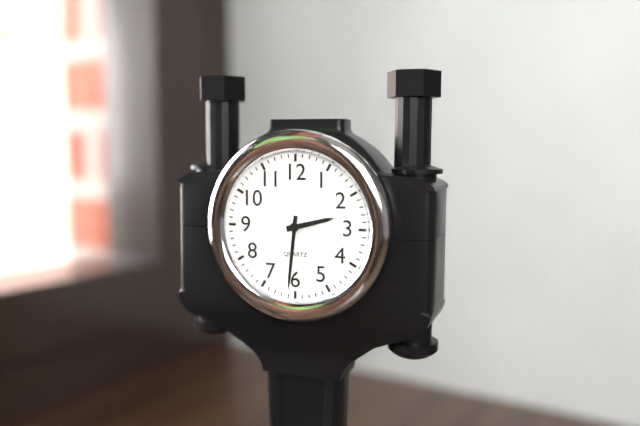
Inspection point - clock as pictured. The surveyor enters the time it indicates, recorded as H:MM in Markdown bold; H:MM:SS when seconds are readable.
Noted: **2:31**
